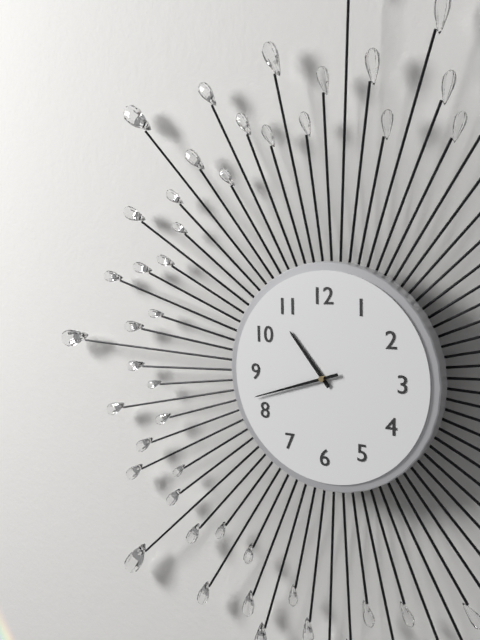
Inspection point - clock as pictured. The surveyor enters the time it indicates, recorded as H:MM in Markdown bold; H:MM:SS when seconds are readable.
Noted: **10:42**
